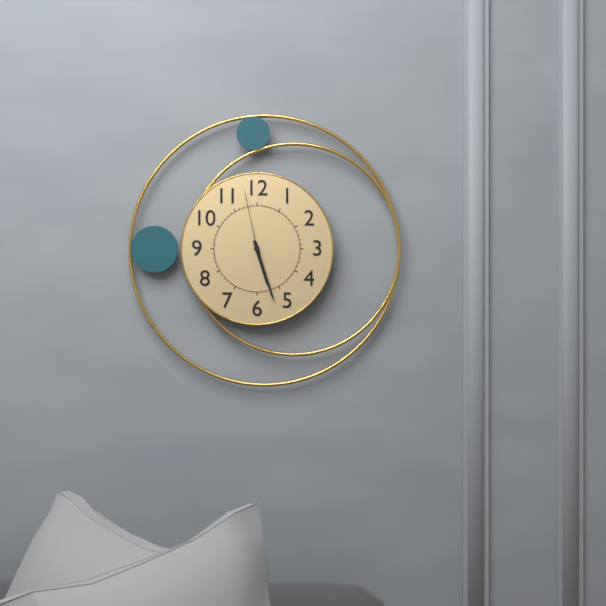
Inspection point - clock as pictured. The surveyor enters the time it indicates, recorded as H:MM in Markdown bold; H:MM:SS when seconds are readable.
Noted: **5:27:58**
